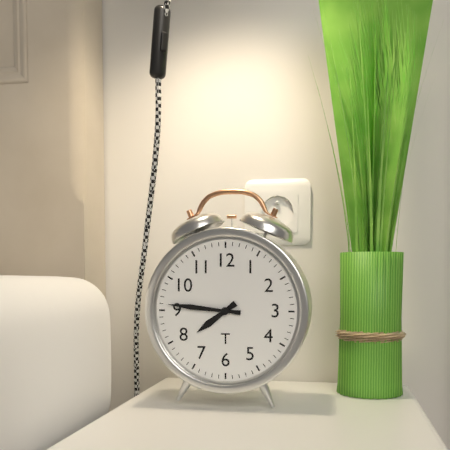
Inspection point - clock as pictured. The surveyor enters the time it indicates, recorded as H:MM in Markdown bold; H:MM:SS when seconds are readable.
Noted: **7:46**
